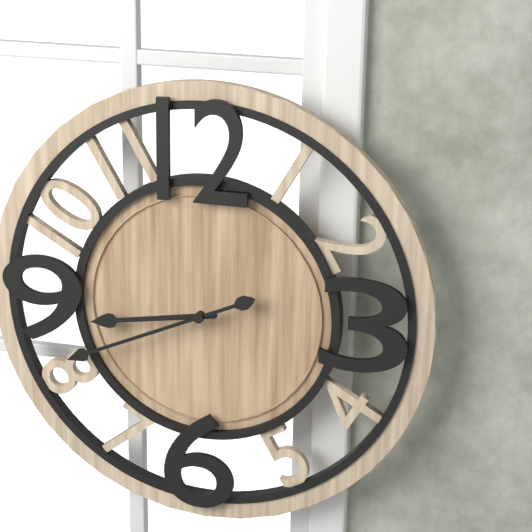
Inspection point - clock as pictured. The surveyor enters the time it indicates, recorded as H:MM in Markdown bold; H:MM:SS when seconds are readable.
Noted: **8:41**
